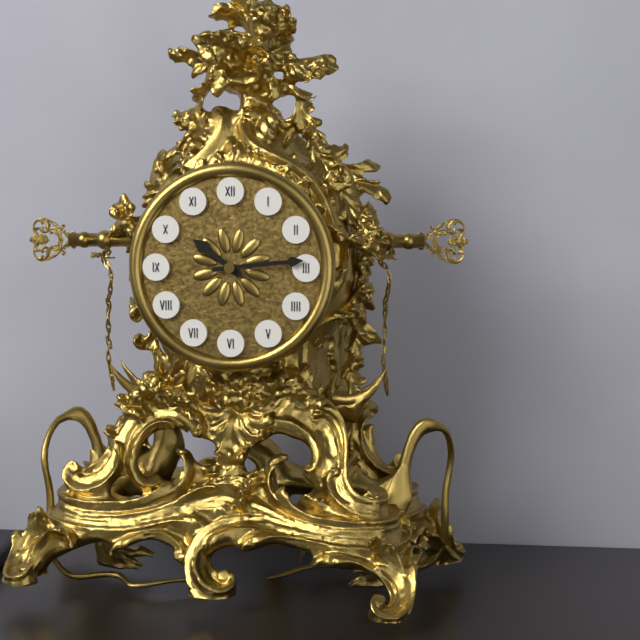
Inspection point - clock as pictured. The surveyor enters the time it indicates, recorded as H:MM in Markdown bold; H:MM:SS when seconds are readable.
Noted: **10:14**
